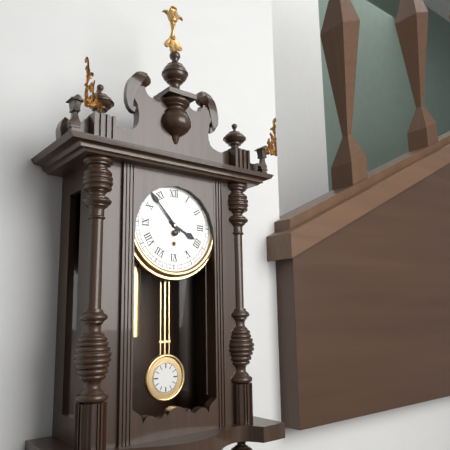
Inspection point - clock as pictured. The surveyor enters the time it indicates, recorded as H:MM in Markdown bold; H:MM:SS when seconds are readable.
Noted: **3:53**
